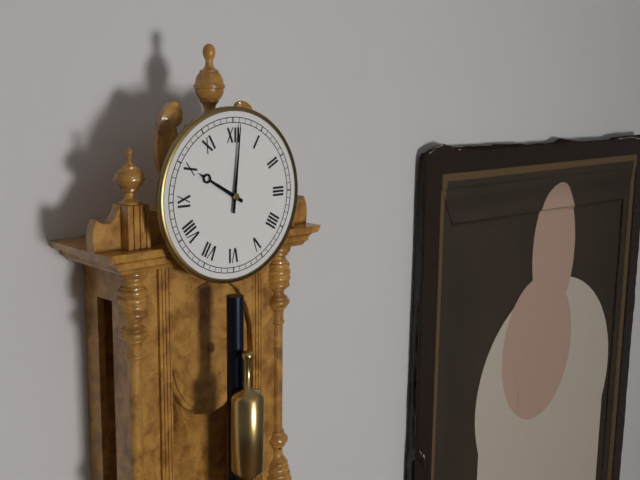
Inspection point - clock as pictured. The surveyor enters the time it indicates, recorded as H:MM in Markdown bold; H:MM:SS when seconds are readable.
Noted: **10:01**
